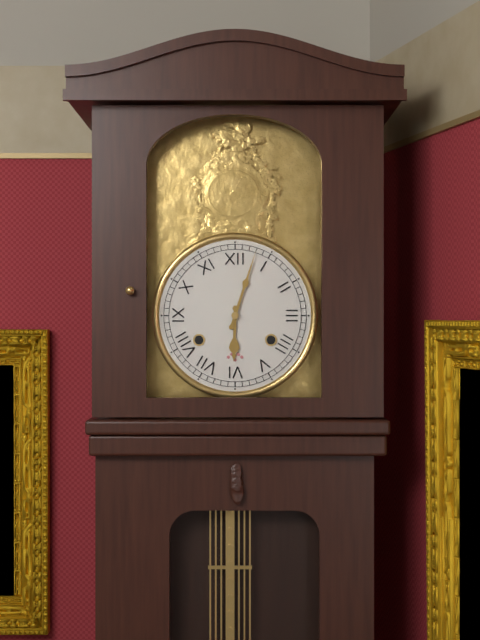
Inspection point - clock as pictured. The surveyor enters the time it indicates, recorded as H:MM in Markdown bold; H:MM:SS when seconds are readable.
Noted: **6:03**
